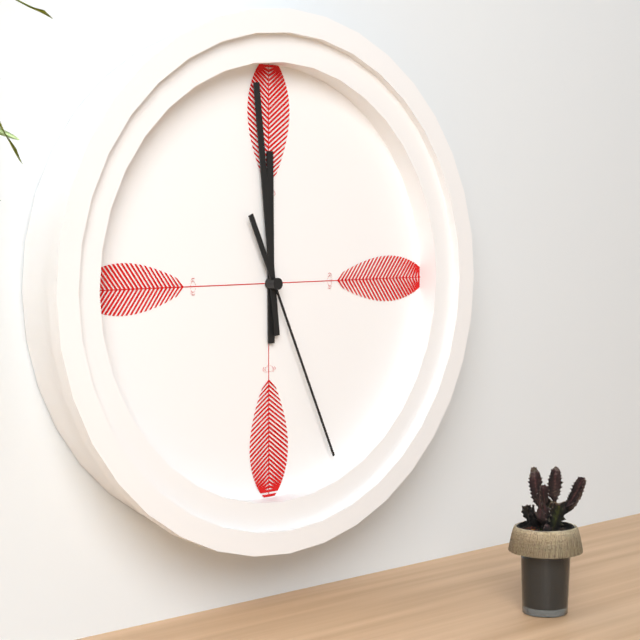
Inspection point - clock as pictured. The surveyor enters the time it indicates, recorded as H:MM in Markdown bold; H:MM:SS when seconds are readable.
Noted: **11:59:26**
